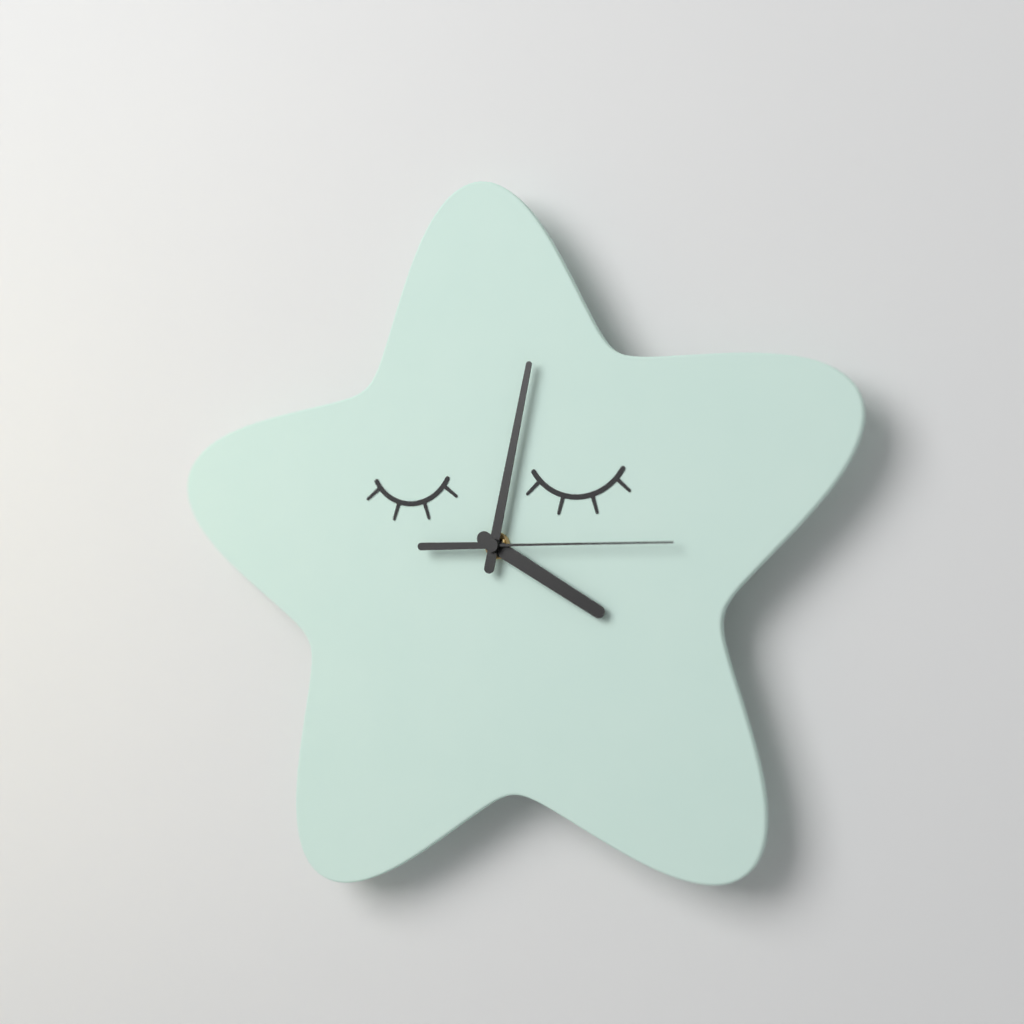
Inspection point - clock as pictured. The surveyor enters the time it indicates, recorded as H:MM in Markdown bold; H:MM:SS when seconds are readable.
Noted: **4:02:15**
